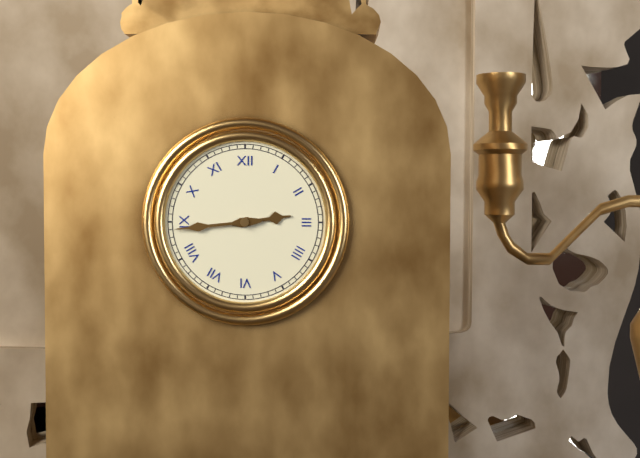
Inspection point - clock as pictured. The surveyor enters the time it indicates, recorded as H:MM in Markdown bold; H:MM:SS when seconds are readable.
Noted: **2:44**
